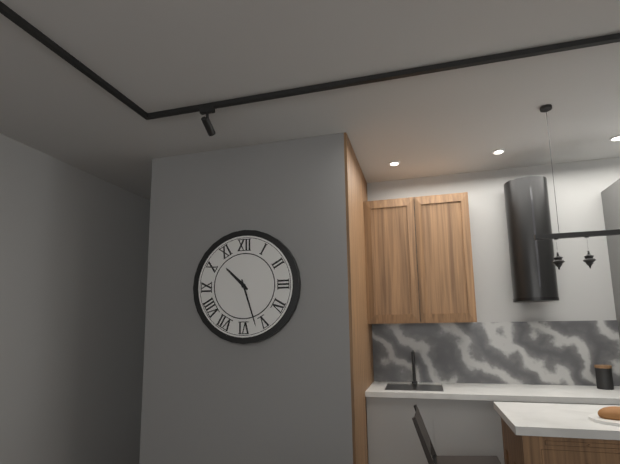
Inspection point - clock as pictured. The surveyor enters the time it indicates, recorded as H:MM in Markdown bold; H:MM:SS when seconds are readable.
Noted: **10:27**
